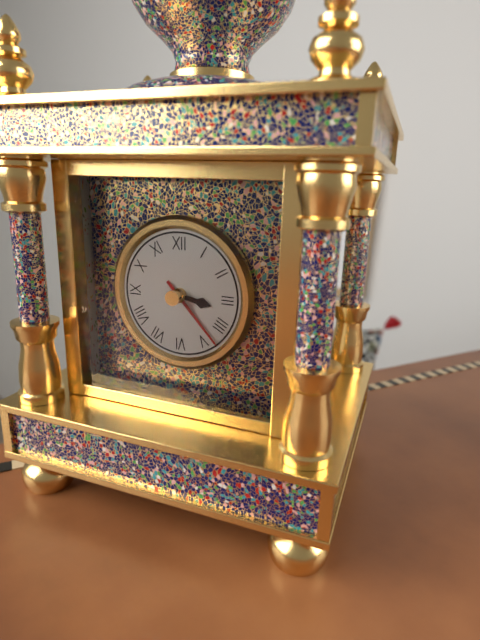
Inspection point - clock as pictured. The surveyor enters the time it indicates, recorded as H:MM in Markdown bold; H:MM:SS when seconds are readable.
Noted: **3:23**
